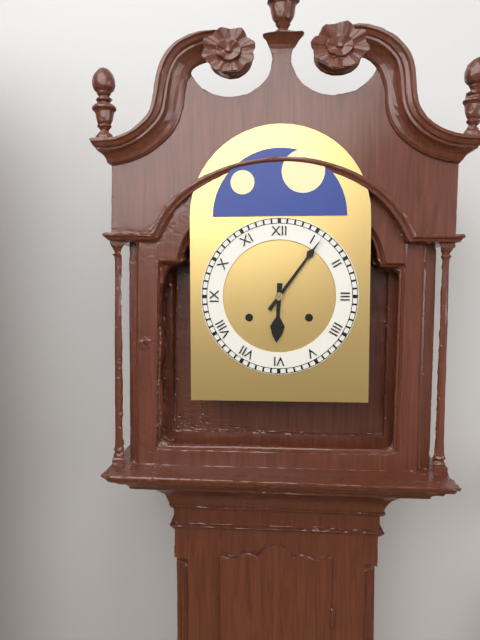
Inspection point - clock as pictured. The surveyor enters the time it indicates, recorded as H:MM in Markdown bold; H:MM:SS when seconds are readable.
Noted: **6:06**
